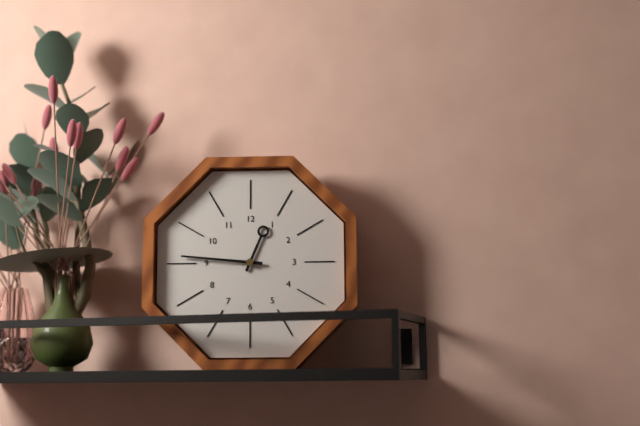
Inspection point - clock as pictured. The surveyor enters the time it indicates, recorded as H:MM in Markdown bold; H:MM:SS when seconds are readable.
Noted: **12:46**
